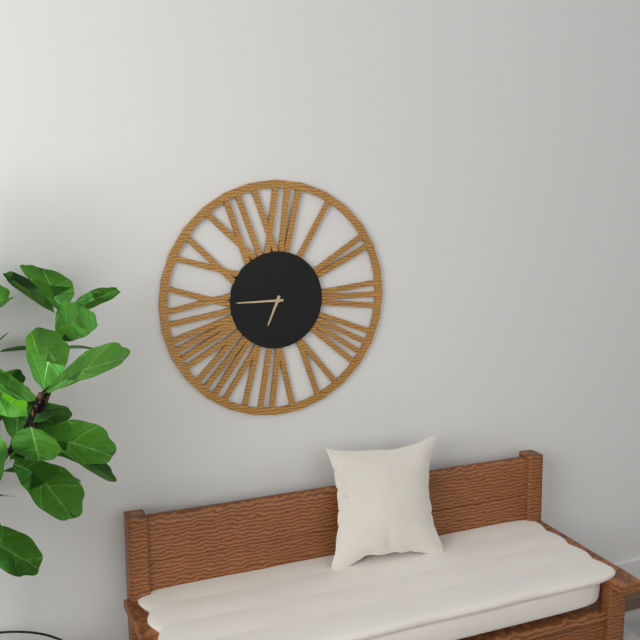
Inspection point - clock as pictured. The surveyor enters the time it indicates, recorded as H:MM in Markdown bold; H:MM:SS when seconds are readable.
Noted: **6:45**
